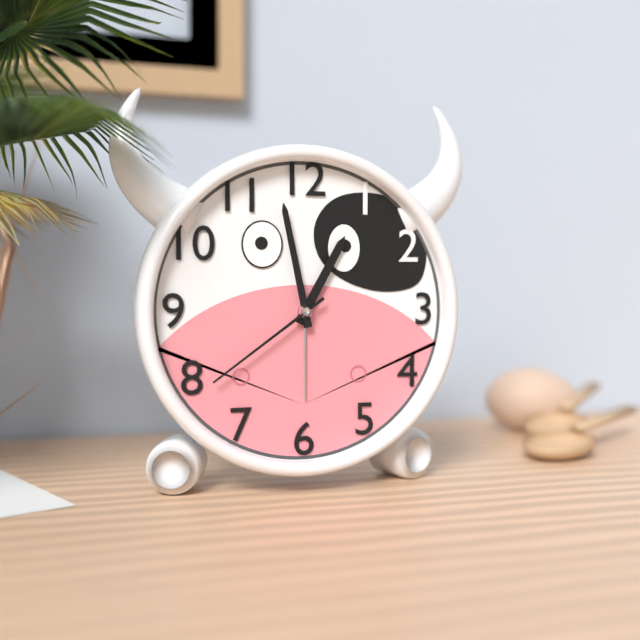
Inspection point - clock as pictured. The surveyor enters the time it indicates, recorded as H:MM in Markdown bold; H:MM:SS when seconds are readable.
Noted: **12:58:39**
